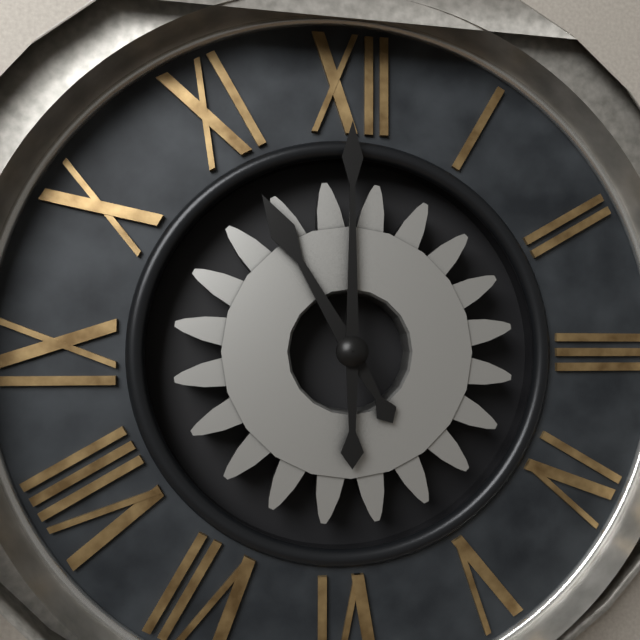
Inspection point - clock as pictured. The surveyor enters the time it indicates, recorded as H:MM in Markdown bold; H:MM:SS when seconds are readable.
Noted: **11:00**
